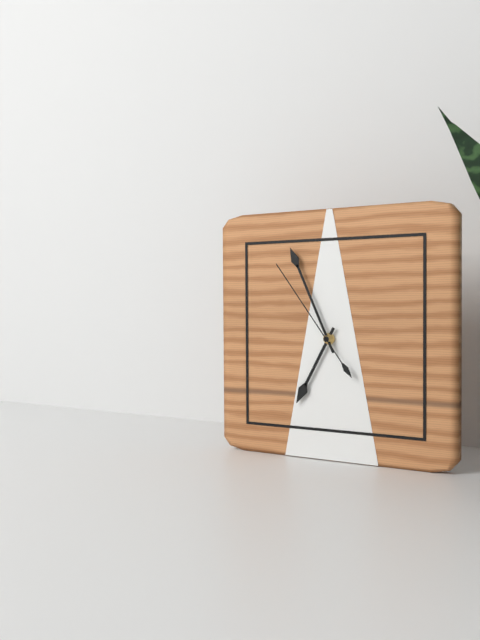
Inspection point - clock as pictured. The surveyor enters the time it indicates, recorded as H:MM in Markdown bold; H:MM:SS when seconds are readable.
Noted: **6:56:54**
